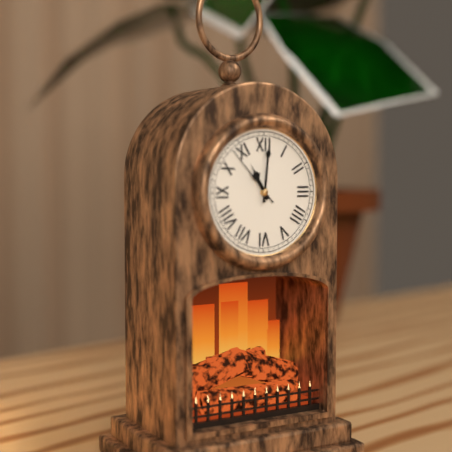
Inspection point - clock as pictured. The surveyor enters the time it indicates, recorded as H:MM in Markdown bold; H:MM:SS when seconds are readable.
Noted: **11:01:53**
